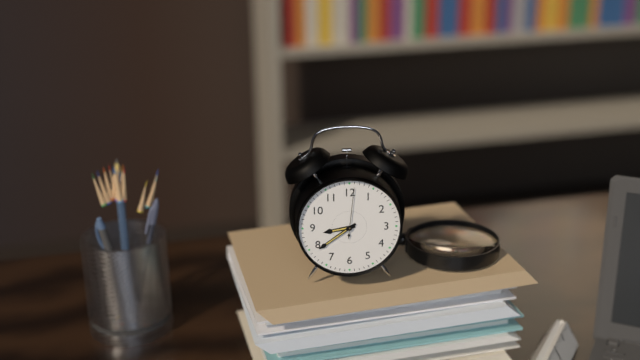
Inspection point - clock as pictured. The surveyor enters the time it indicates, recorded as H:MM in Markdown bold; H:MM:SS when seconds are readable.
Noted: **8:39:01**
